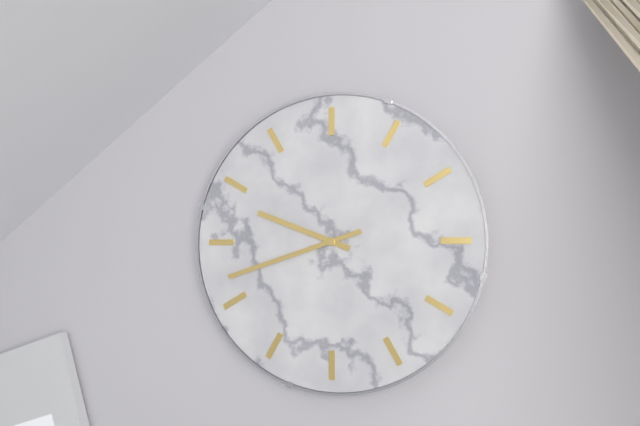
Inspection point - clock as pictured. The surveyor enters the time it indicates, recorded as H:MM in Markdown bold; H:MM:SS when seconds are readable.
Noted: **9:42**
